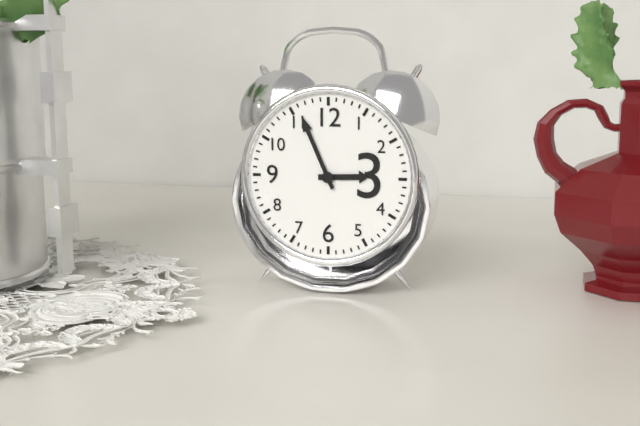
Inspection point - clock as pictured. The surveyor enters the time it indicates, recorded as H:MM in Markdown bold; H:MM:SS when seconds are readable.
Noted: **2:56**
